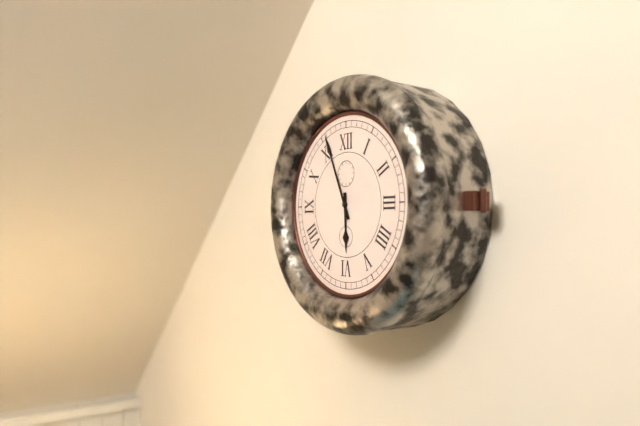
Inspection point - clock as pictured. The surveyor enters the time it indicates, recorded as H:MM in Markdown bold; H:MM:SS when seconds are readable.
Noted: **5:56**
